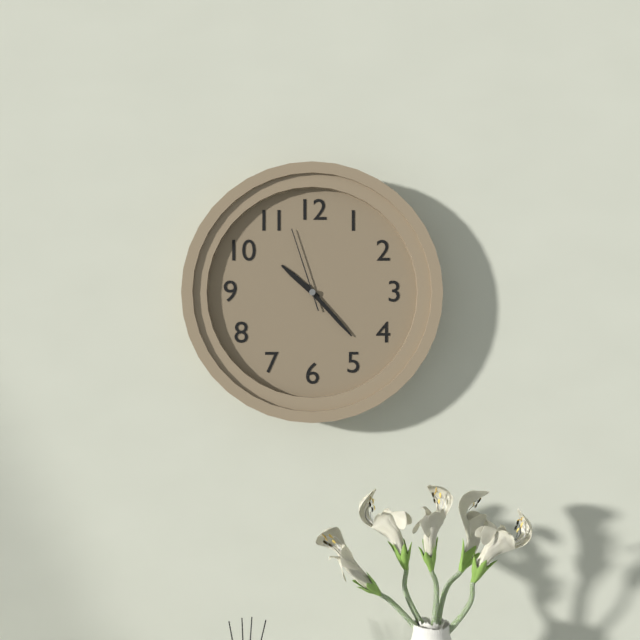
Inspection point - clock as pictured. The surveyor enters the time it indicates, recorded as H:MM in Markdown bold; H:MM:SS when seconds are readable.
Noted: **10:23:57**
